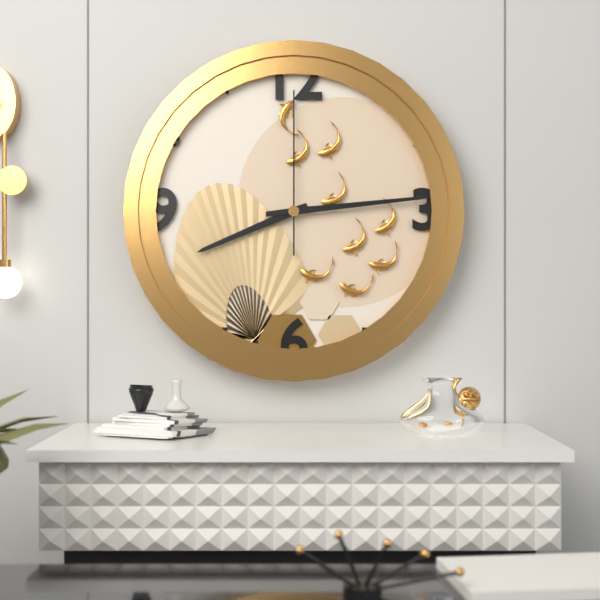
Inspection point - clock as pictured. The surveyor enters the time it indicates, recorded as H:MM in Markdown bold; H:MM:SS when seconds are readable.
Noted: **8:14:00**
